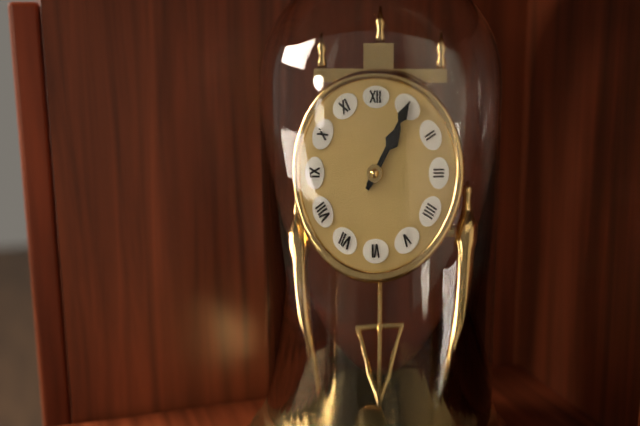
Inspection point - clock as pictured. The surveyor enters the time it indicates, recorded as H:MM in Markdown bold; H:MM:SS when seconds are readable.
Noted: **1:05**
